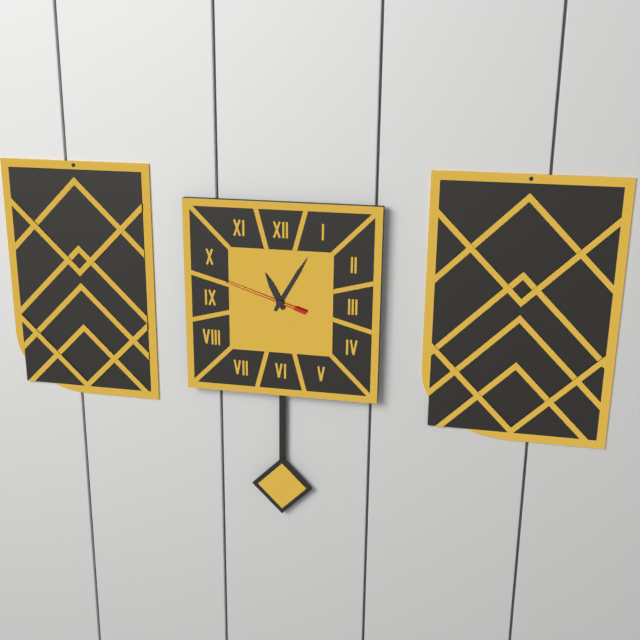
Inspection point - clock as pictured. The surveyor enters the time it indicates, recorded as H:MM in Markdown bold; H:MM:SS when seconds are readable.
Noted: **11:05:48**
